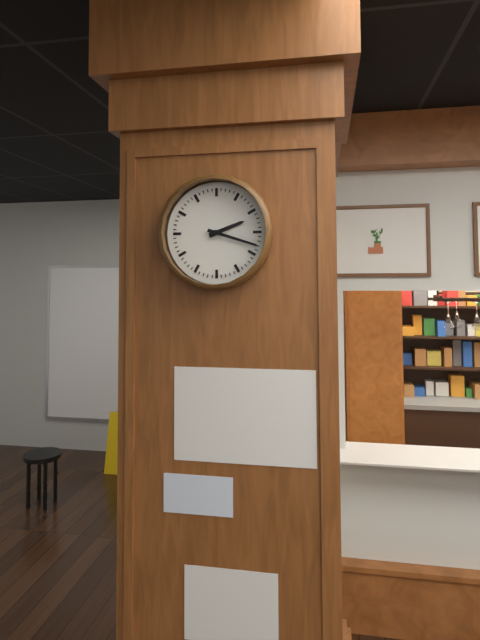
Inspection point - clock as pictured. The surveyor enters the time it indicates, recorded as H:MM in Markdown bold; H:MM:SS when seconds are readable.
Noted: **2:18**
